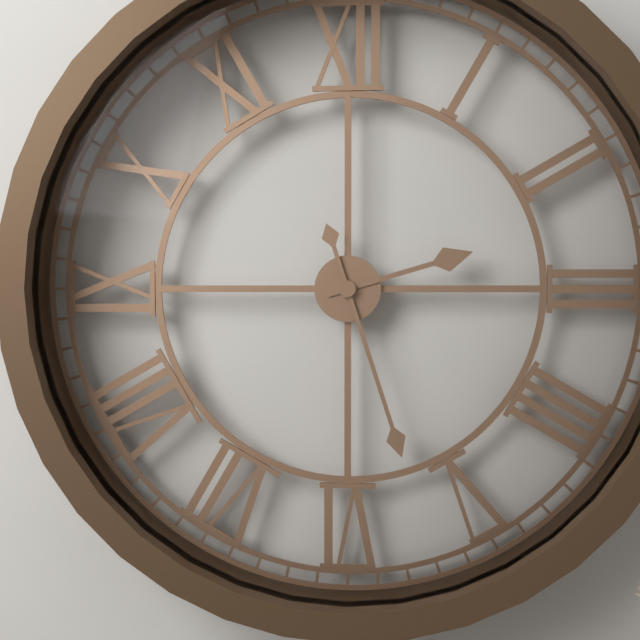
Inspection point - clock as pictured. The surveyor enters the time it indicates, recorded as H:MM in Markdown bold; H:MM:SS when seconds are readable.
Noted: **2:27**
